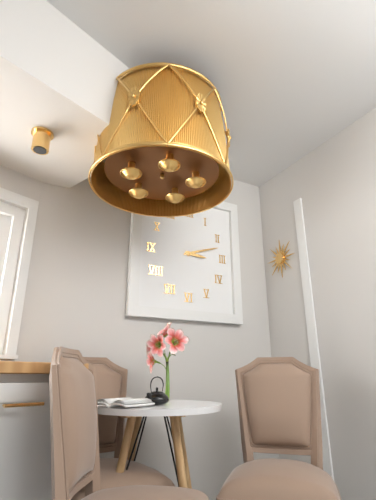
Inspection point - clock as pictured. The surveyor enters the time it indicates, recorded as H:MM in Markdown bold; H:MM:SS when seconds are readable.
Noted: **3:12**
